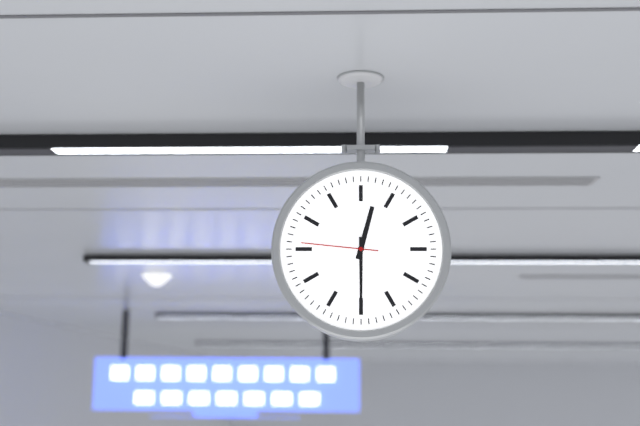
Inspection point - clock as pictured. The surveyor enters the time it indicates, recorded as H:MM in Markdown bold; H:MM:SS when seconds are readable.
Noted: **12:30:46**
